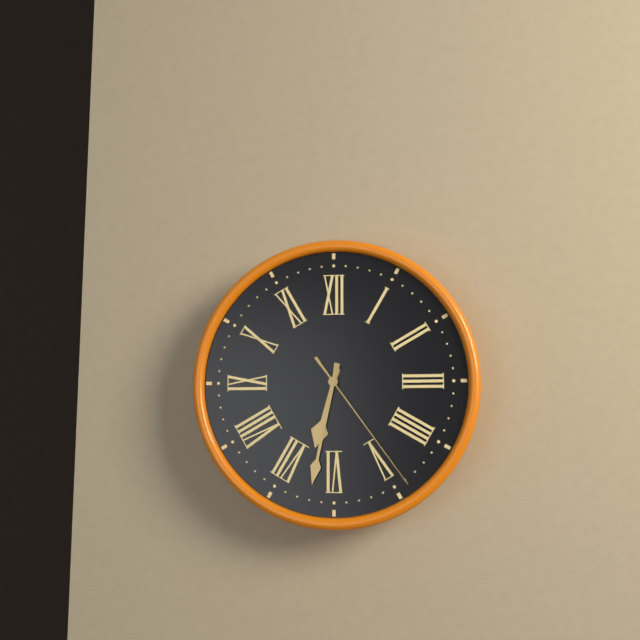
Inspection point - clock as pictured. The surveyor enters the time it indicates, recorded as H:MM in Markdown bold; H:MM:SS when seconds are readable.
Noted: **6:32:24**
